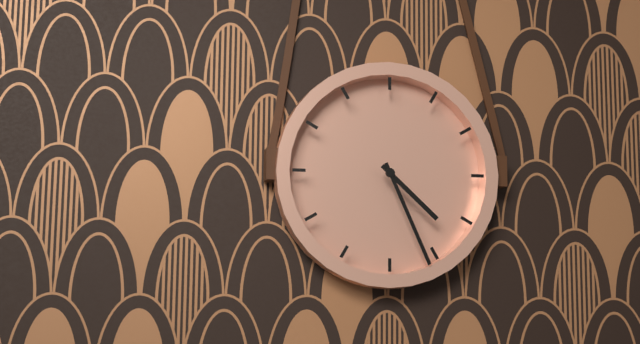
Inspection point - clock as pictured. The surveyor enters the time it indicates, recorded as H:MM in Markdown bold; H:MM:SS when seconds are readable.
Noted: **4:26**
